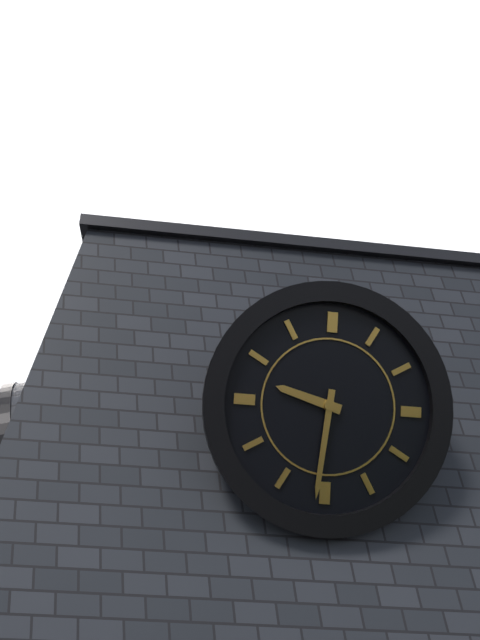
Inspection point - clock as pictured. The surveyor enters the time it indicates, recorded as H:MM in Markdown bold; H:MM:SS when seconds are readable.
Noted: **9:31**
